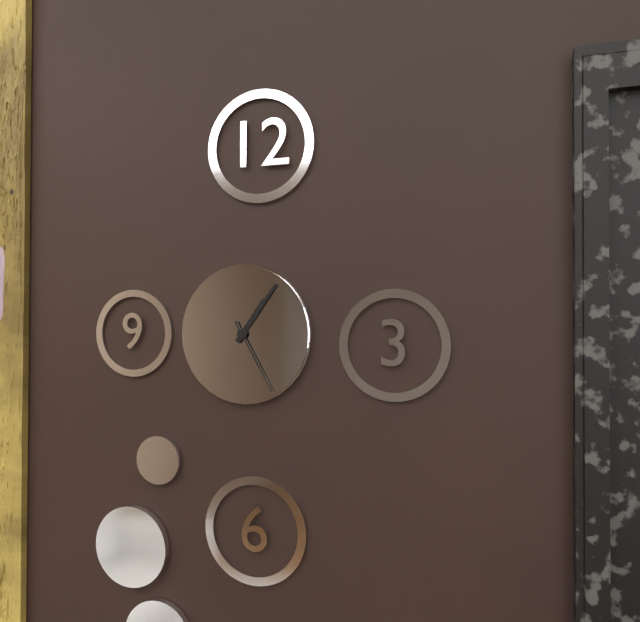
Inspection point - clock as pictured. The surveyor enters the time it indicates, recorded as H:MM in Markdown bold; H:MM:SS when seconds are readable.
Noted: **1:06:25**
